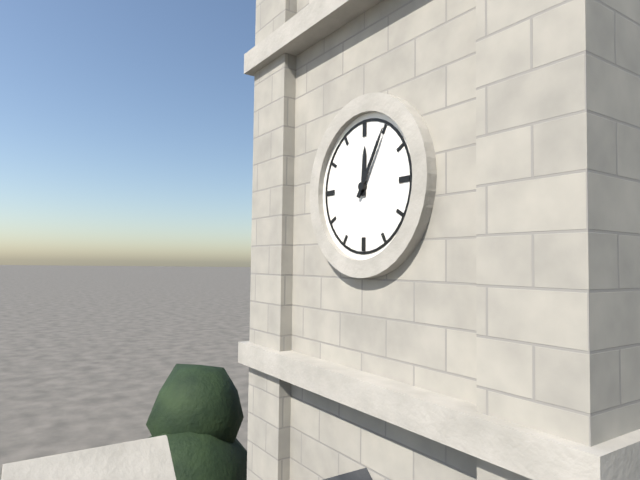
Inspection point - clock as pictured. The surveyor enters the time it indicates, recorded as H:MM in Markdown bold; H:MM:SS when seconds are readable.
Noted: **12:05**
